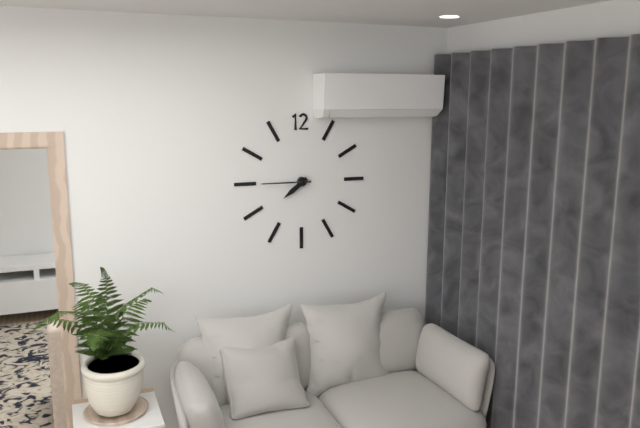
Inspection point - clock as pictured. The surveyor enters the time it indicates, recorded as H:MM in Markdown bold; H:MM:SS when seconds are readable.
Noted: **7:45**
